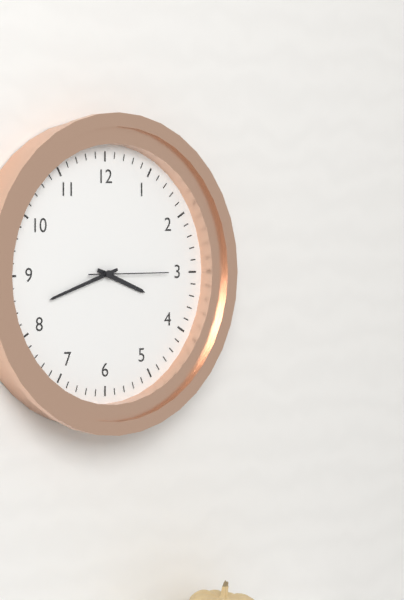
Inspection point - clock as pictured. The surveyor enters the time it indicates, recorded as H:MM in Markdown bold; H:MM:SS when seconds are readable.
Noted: **3:42:15**
